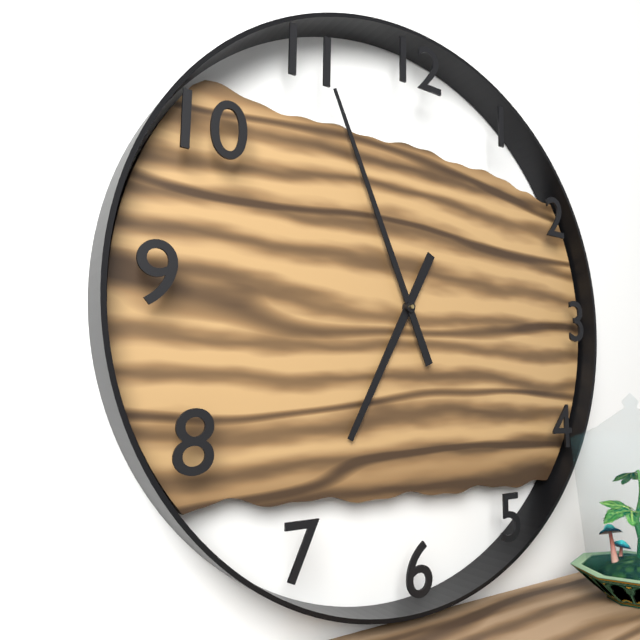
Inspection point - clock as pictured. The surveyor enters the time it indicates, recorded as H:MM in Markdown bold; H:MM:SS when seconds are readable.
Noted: **6:56**
